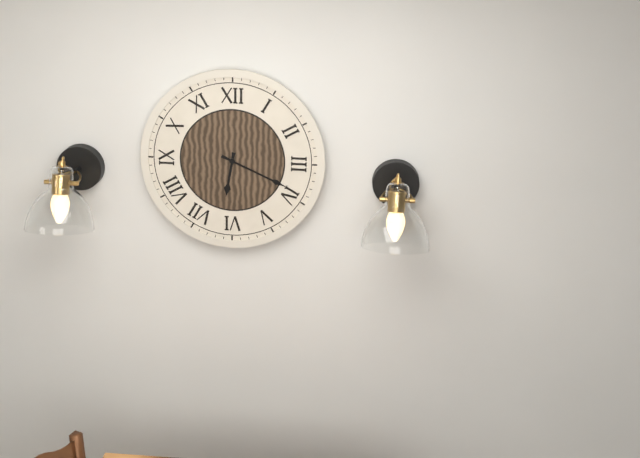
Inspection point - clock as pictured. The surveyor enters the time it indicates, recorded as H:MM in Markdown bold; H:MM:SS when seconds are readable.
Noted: **6:19**
